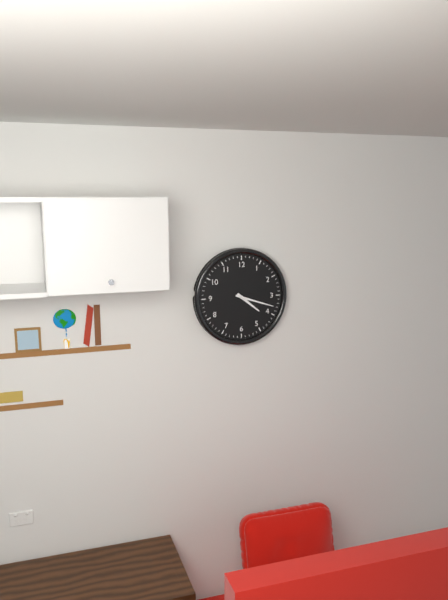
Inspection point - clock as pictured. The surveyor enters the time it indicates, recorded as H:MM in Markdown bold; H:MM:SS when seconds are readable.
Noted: **4:18**
